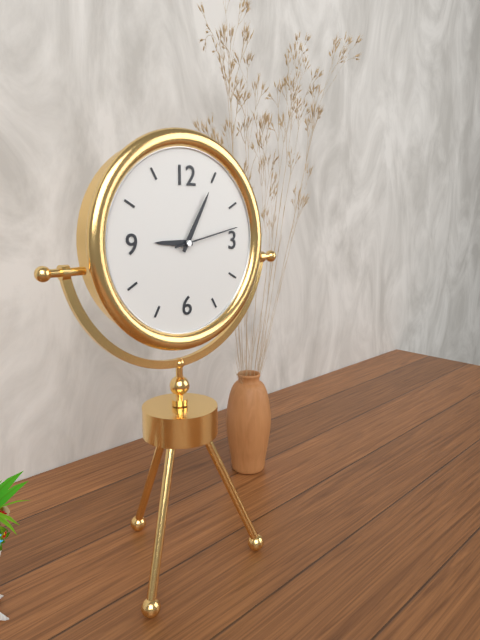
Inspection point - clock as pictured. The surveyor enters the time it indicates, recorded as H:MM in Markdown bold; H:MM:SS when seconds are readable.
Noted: **9:05:13**
